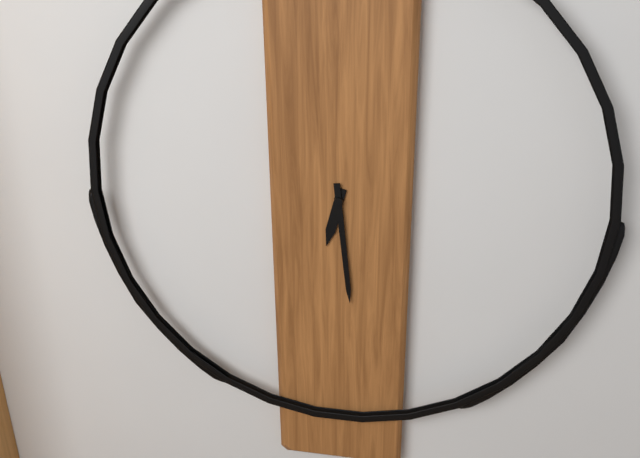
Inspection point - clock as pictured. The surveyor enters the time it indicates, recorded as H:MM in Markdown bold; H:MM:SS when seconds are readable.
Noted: **6:29**
